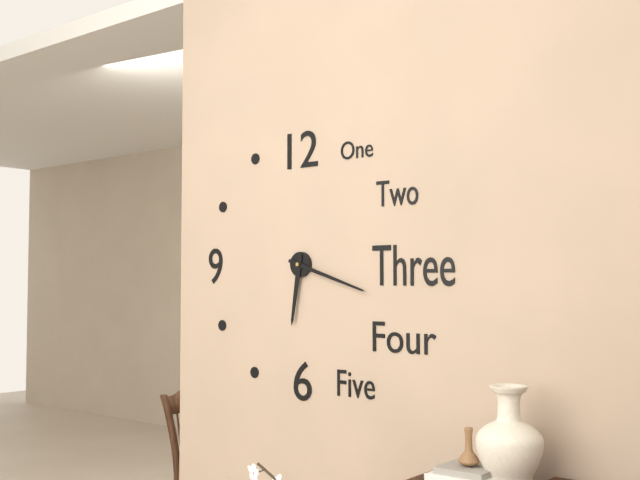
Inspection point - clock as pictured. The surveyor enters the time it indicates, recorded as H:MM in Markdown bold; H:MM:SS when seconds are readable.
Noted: **6:18**
